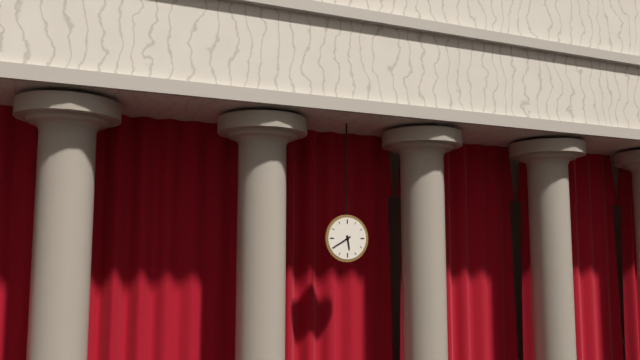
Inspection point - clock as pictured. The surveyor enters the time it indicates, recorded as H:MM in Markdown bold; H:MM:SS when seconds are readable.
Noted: **5:40**
